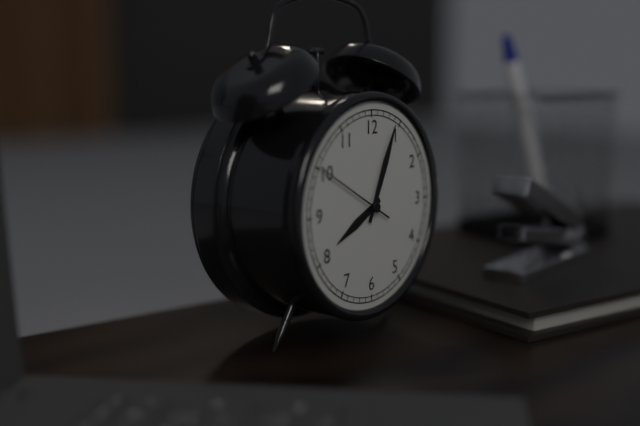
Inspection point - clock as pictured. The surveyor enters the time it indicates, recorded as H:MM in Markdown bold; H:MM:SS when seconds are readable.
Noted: **8:04:50**
